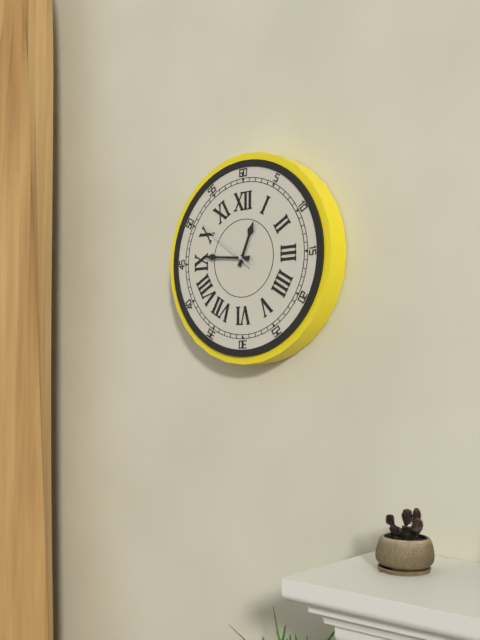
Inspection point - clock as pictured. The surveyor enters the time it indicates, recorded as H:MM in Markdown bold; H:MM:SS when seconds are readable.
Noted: **12:46:51**
